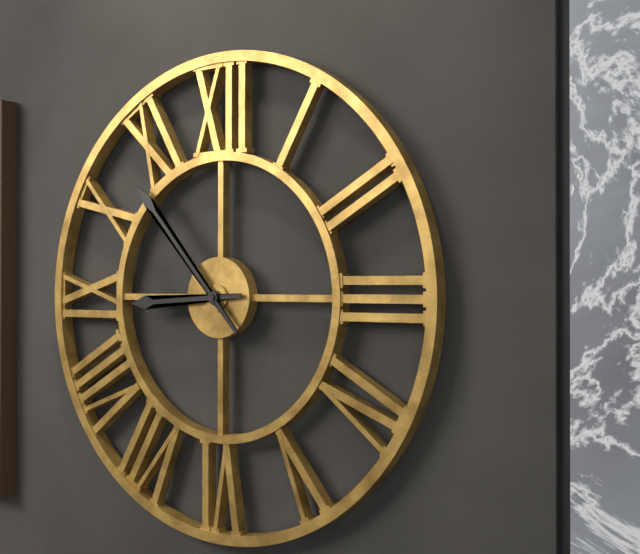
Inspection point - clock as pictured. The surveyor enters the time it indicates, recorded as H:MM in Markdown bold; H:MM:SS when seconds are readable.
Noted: **8:53**
